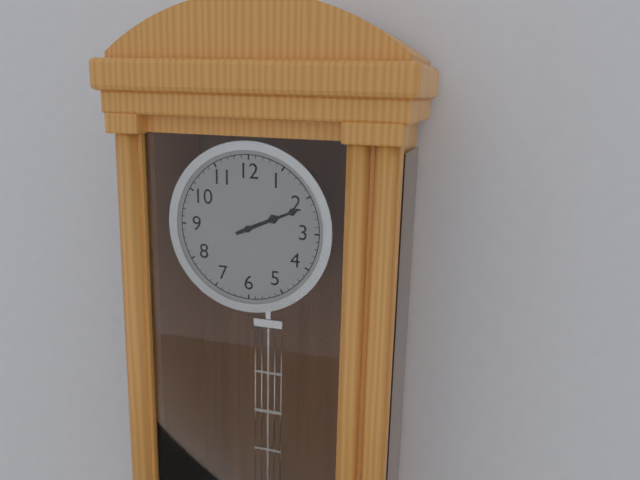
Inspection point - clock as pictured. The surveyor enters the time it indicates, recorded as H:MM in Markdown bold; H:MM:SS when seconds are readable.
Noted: **2:11**
